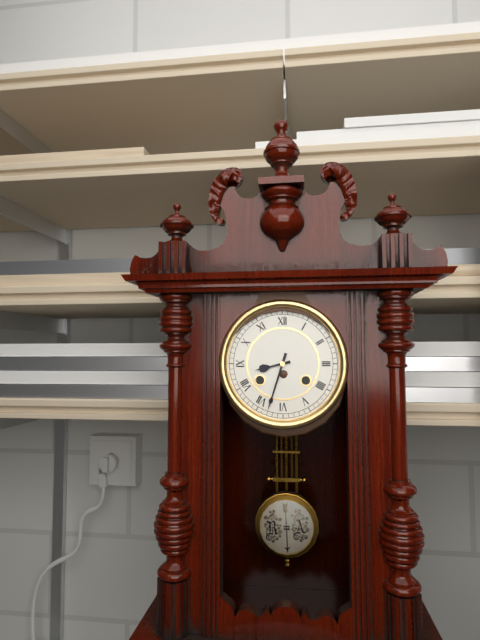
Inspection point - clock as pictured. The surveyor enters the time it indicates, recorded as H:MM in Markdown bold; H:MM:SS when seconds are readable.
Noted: **8:33**
